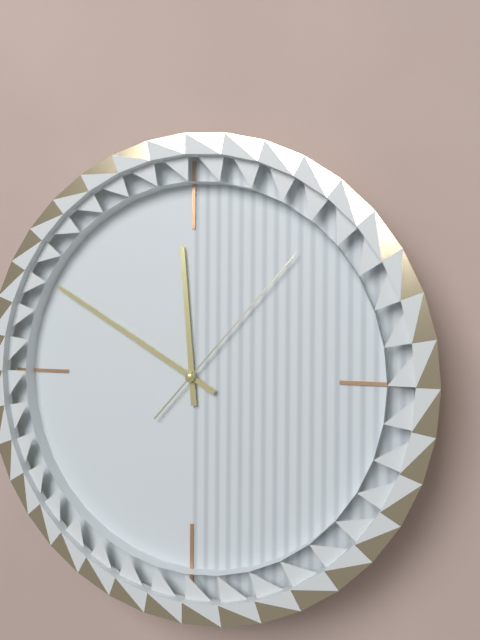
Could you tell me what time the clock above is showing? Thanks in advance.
11:50:07
